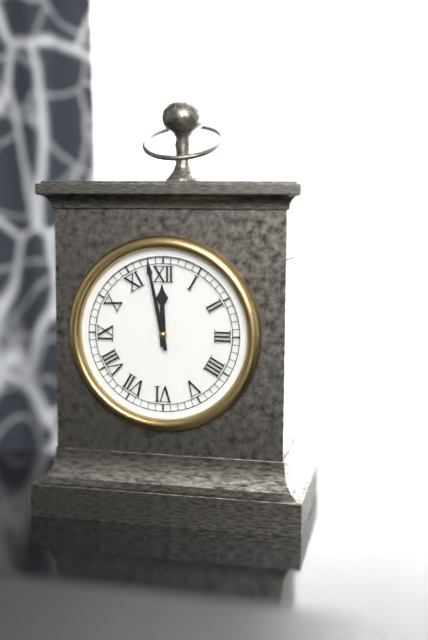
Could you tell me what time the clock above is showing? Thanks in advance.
11:58
